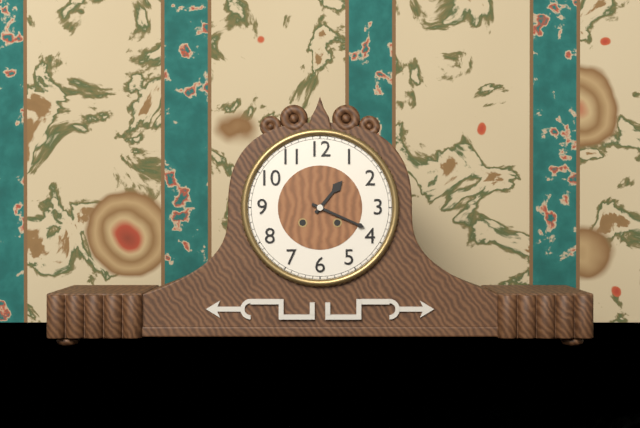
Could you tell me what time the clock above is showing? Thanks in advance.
1:19
